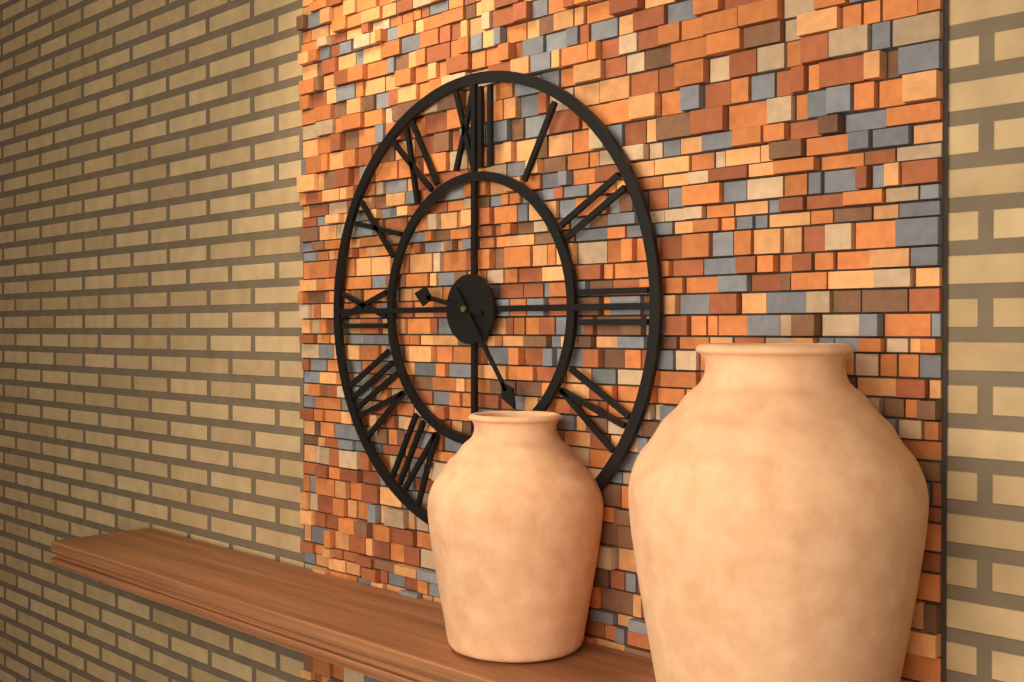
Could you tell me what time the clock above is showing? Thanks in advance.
9:24
